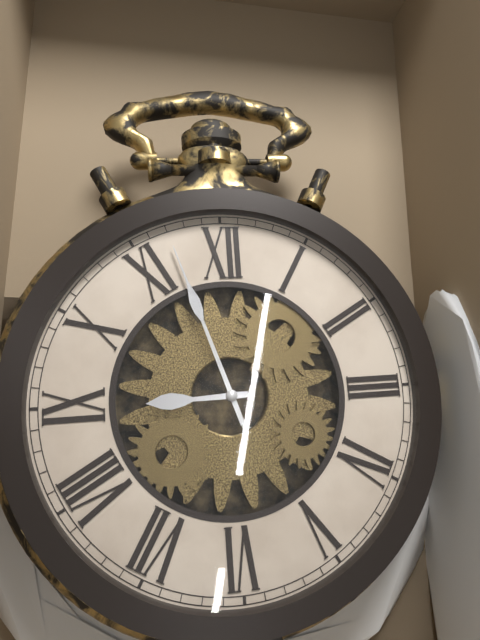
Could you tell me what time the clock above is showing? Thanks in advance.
8:57
